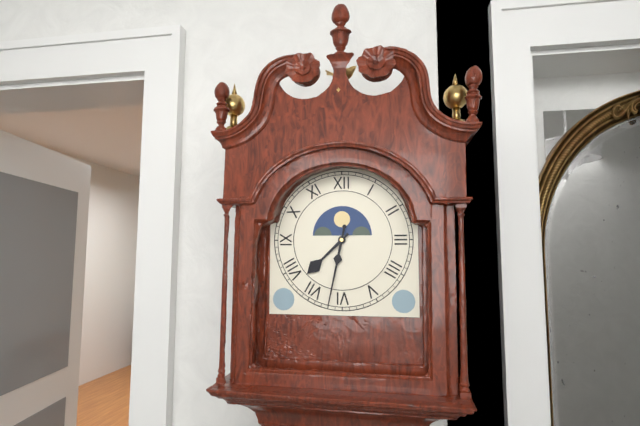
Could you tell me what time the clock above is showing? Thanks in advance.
7:32
